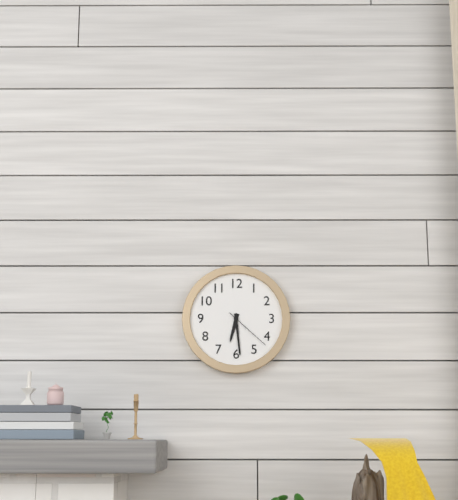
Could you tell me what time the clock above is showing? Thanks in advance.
6:29
